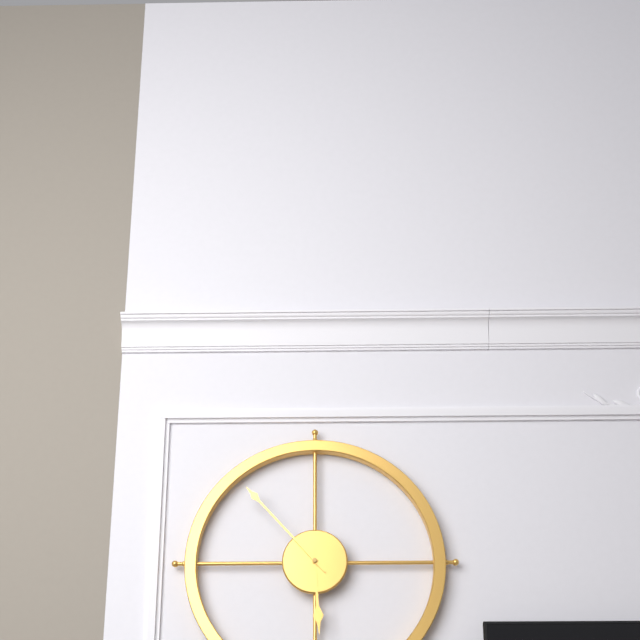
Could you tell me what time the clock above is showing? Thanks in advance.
5:53
